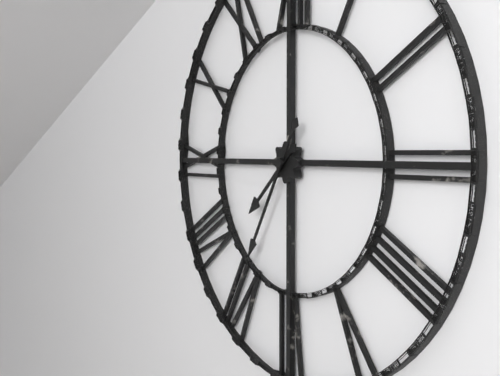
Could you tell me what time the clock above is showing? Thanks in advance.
7:35
